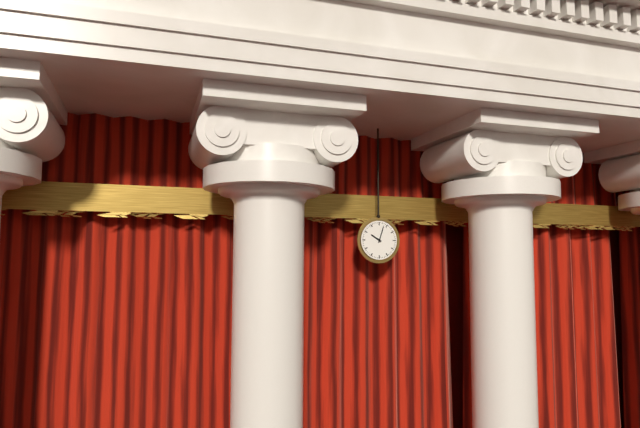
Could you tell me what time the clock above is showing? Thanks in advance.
10:03
